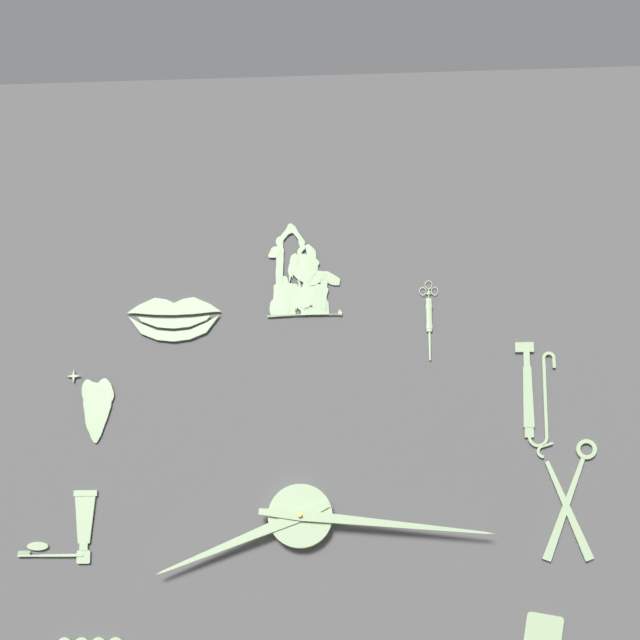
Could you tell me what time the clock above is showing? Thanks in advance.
8:16
